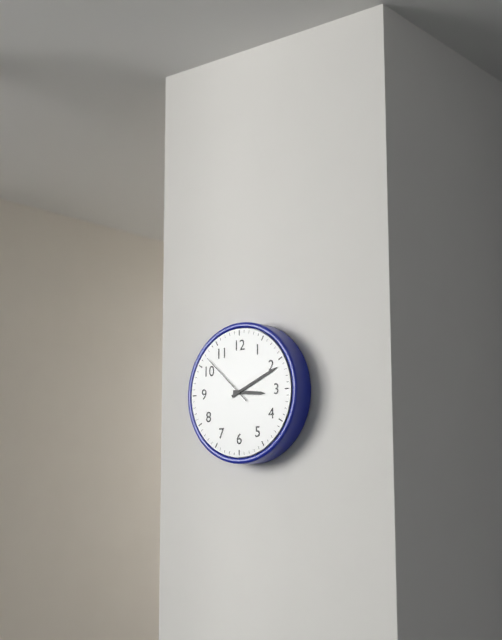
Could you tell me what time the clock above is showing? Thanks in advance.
3:11:52
